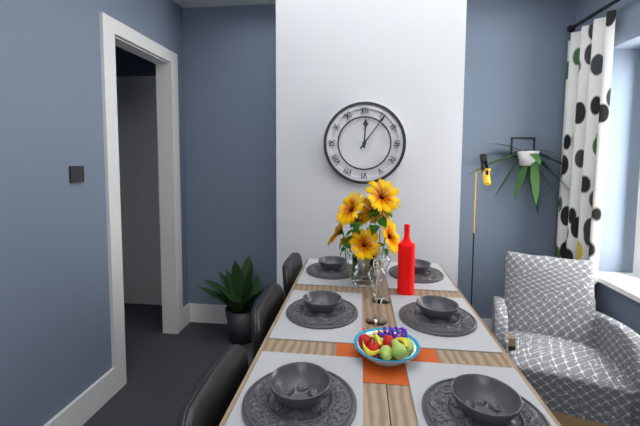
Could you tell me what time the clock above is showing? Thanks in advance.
12:06
